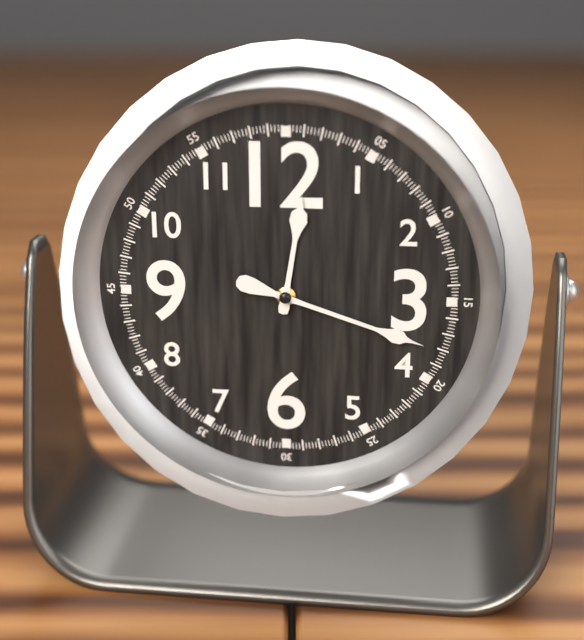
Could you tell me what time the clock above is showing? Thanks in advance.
12:18
